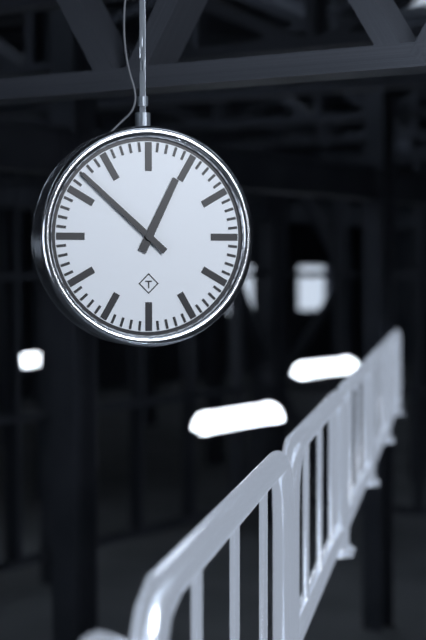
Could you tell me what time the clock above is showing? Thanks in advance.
12:52
